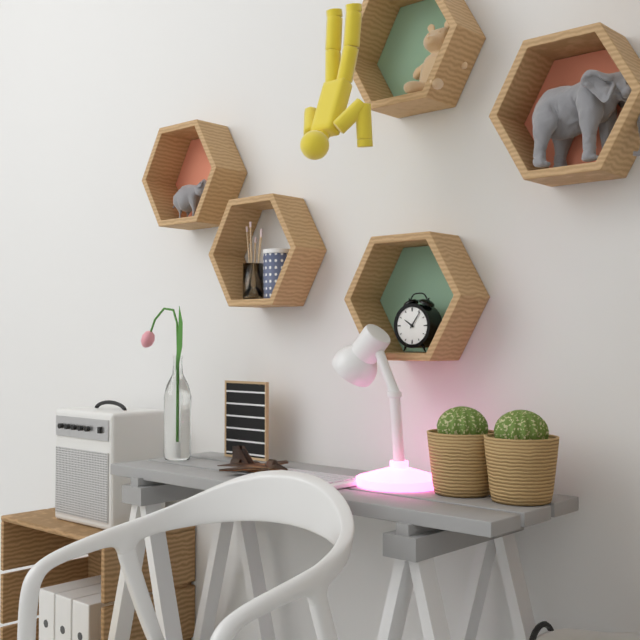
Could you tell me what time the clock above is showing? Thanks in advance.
10:06
